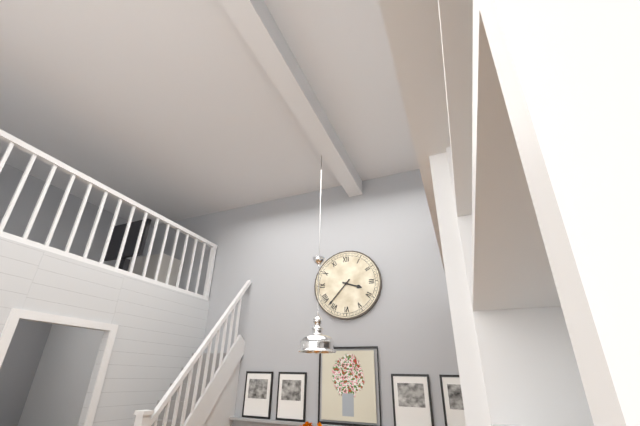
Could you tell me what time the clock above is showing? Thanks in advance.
3:37
